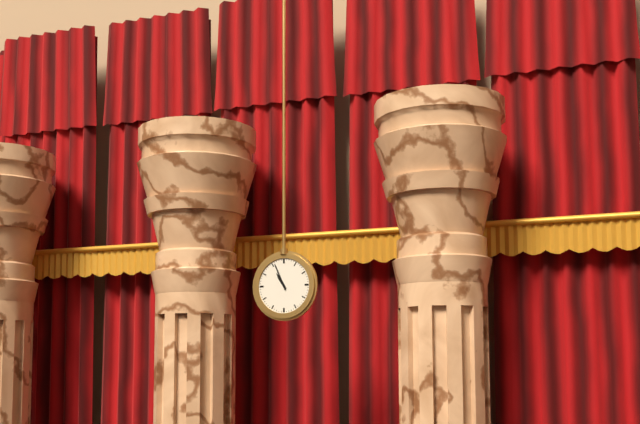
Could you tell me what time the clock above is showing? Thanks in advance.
10:56
